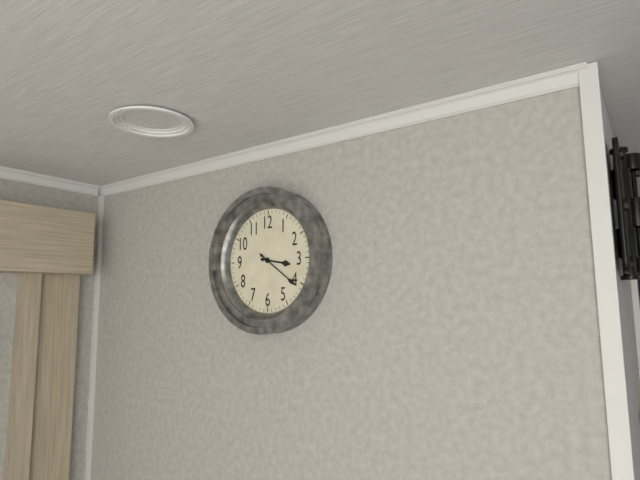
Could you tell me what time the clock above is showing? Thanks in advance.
3:21
